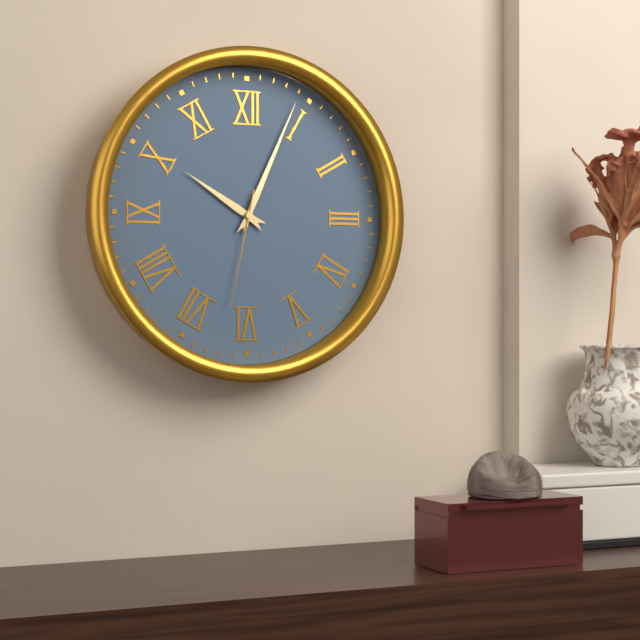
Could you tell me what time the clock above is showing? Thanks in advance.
10:04:32
